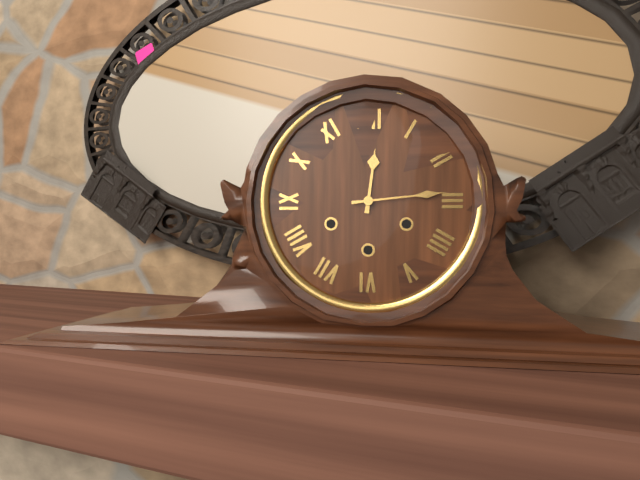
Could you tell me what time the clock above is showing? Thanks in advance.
12:14
